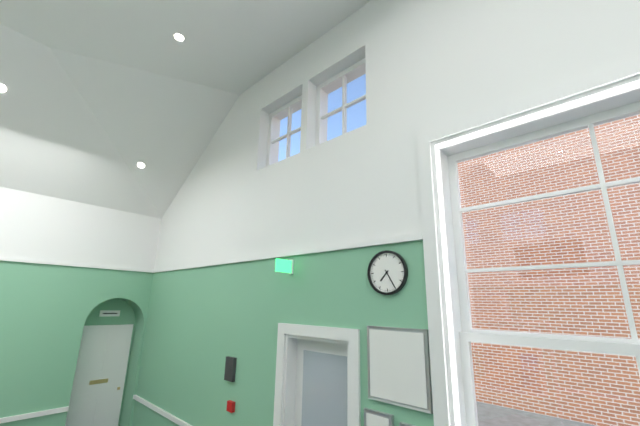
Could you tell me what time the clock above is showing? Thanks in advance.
7:25
